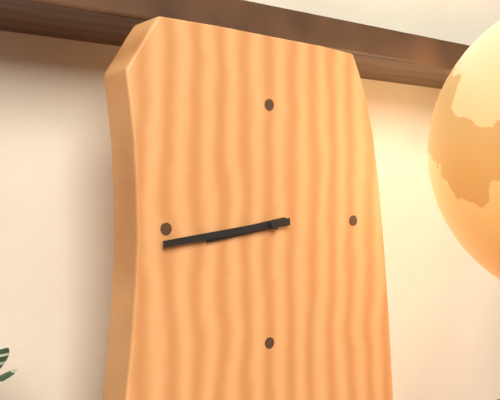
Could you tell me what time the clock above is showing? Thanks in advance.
8:44
